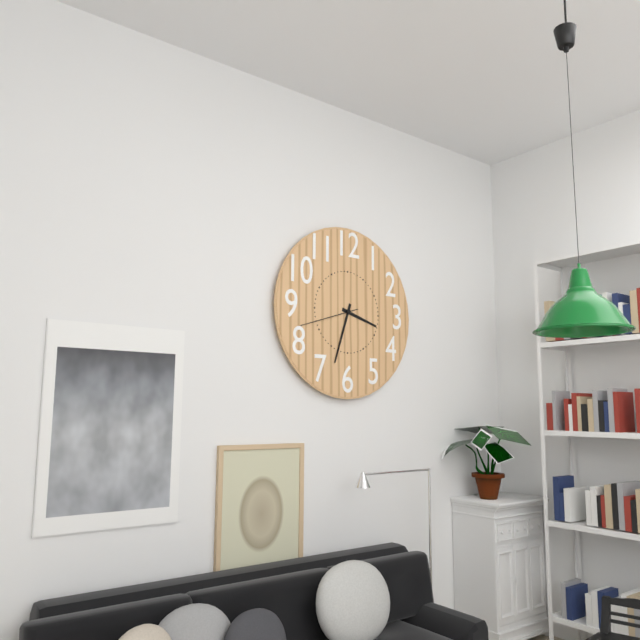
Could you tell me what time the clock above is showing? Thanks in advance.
3:33:42
